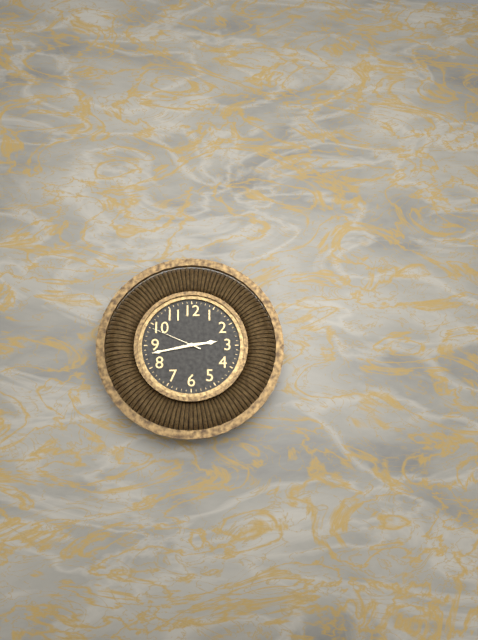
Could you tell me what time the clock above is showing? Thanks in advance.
2:43:49
